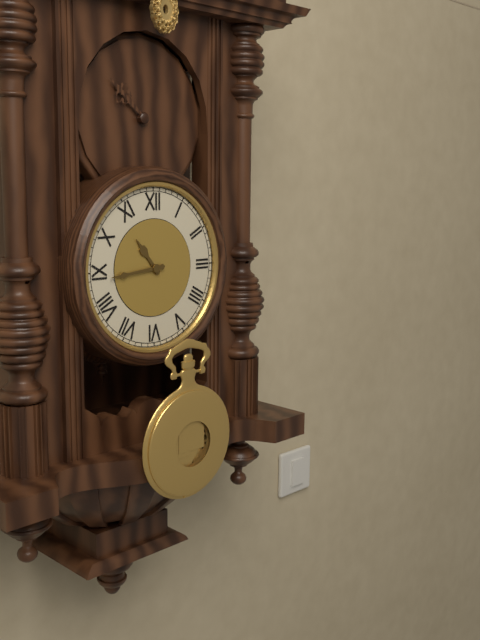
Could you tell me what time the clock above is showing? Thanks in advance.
10:44
